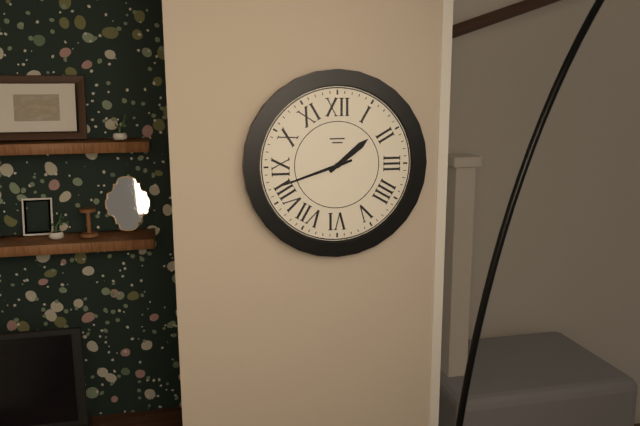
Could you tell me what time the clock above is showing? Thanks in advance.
1:42
